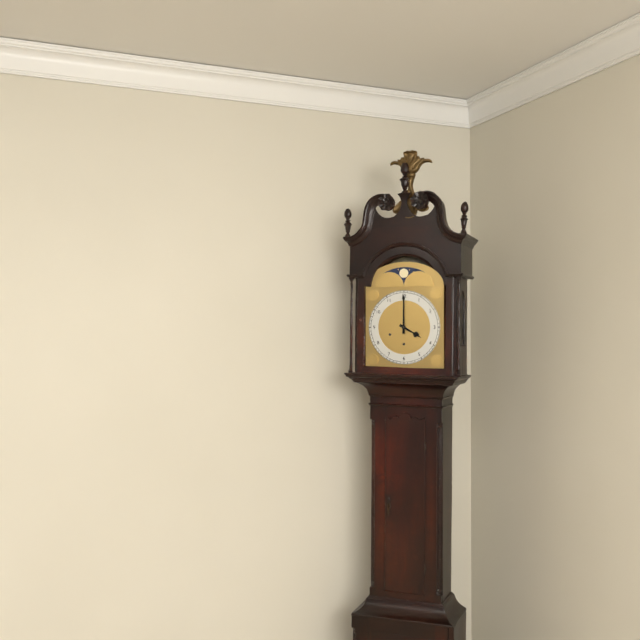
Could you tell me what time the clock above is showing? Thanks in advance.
4:00
